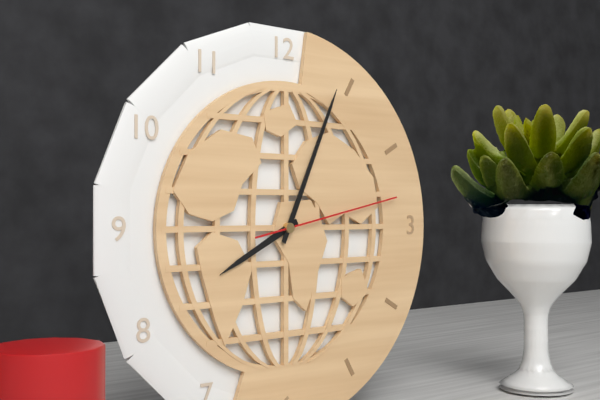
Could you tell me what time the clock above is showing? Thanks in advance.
8:04:13
